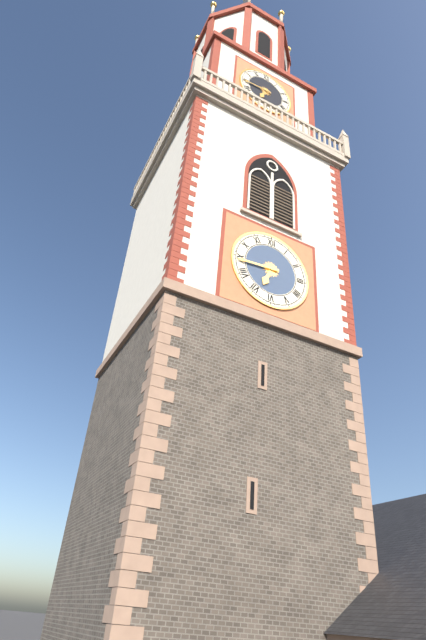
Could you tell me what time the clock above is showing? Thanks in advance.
6:44
